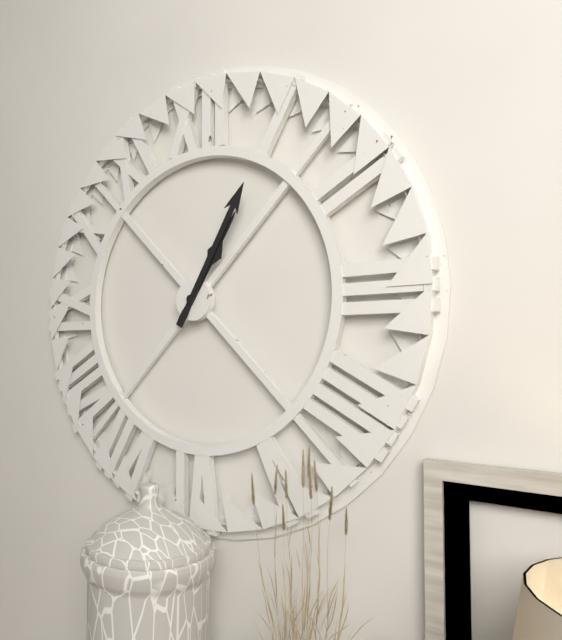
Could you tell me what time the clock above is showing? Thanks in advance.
1:05
